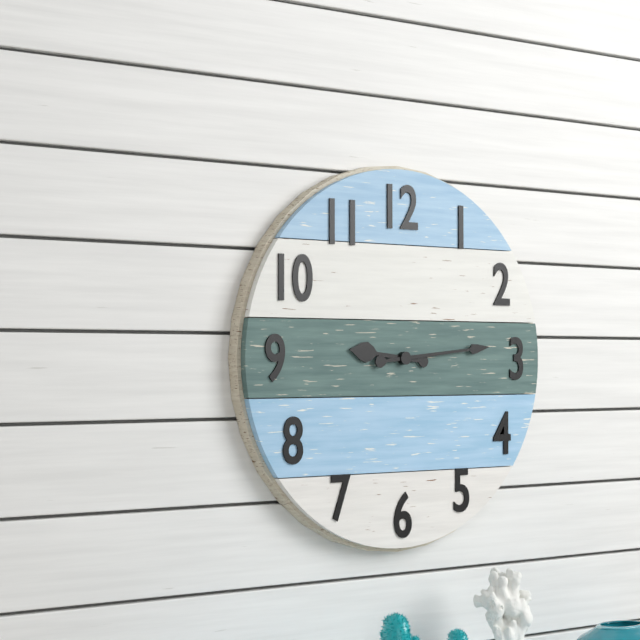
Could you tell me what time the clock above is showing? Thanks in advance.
9:14
